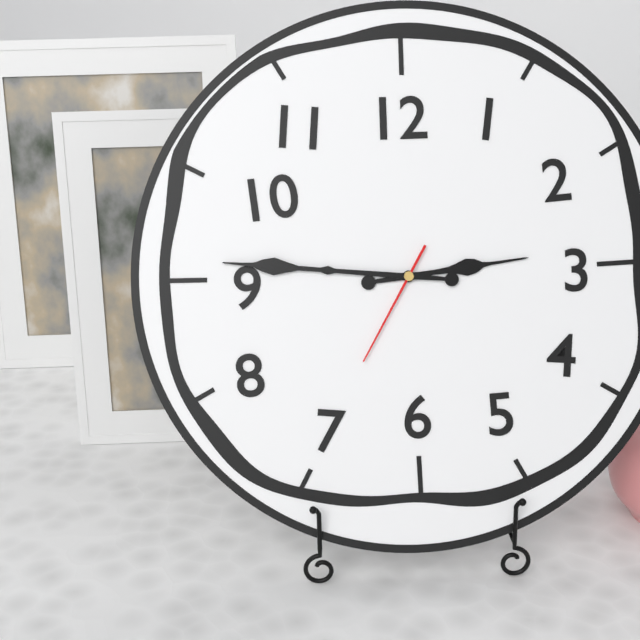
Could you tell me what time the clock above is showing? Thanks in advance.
2:46:35
